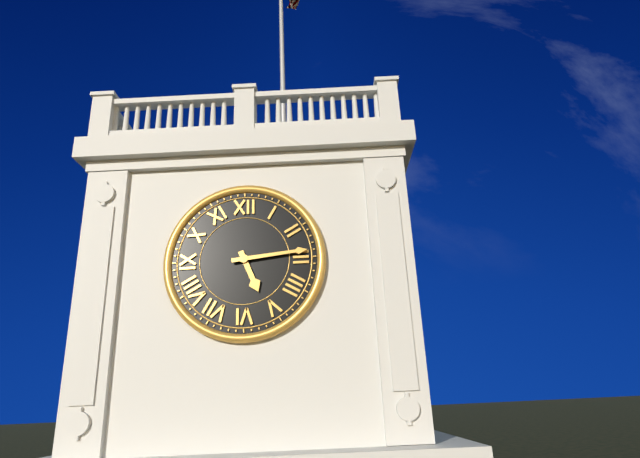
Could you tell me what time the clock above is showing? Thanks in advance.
5:14
